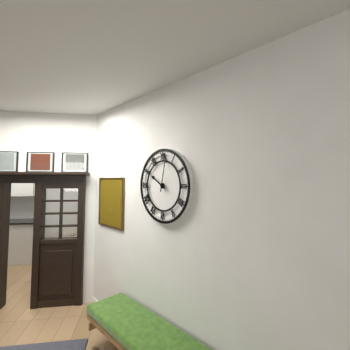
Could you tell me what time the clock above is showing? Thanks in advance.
10:02
